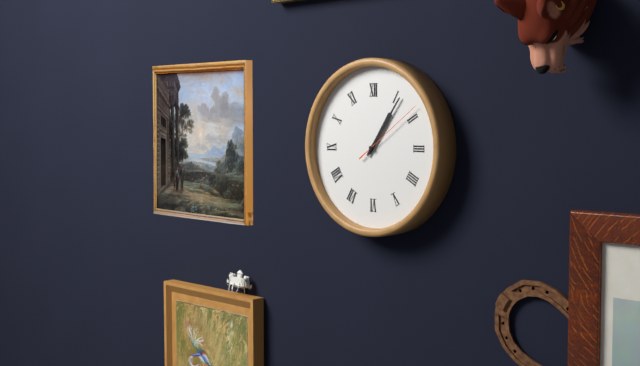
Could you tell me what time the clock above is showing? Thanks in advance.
1:06:09
